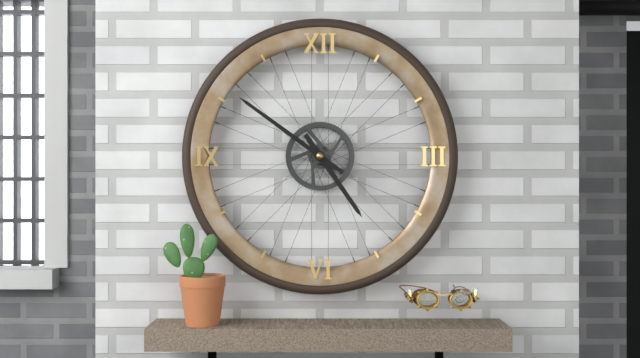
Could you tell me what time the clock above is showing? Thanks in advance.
4:51
